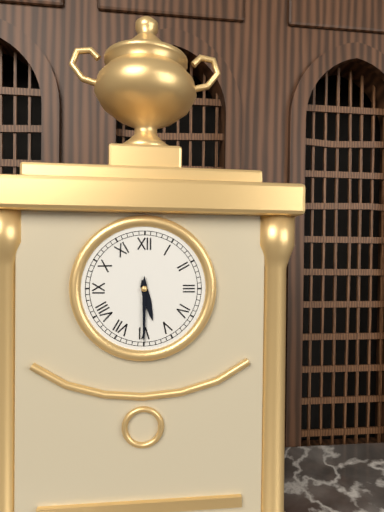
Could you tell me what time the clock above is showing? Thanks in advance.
5:30
